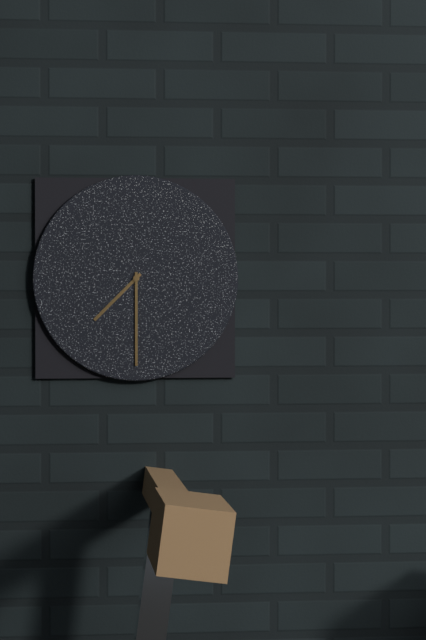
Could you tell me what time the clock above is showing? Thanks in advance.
7:30
